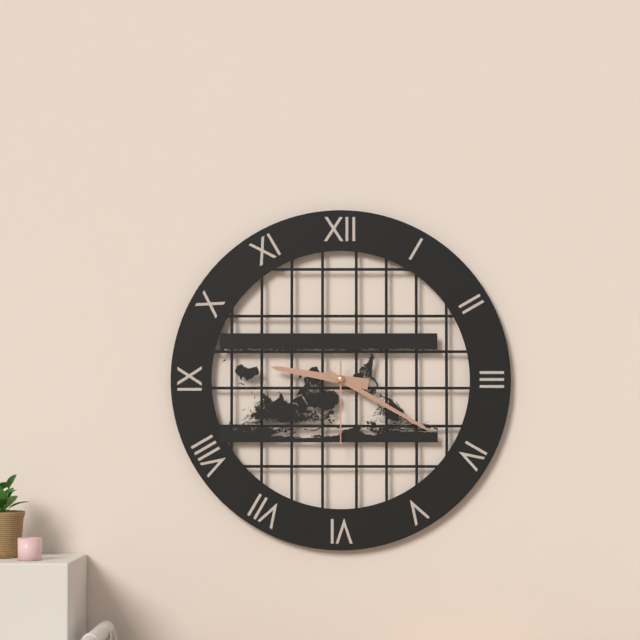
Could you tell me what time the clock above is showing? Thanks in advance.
9:20:30
